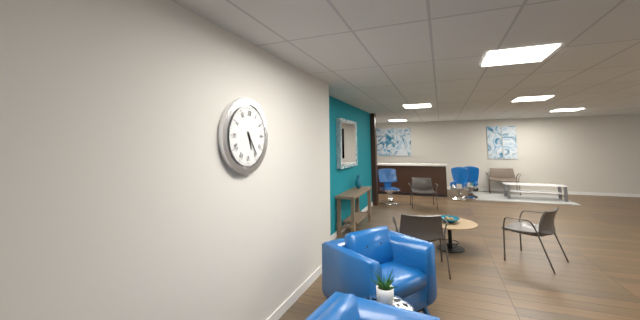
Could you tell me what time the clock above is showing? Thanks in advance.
5:24
